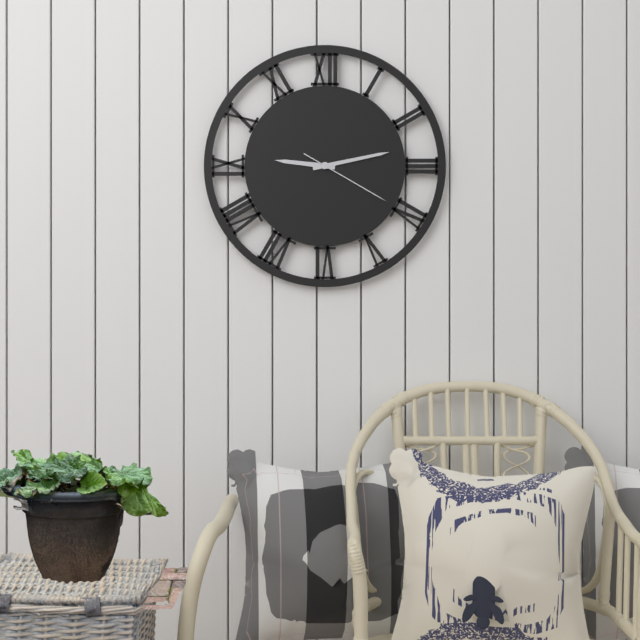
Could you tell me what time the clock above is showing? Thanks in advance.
9:13:20
